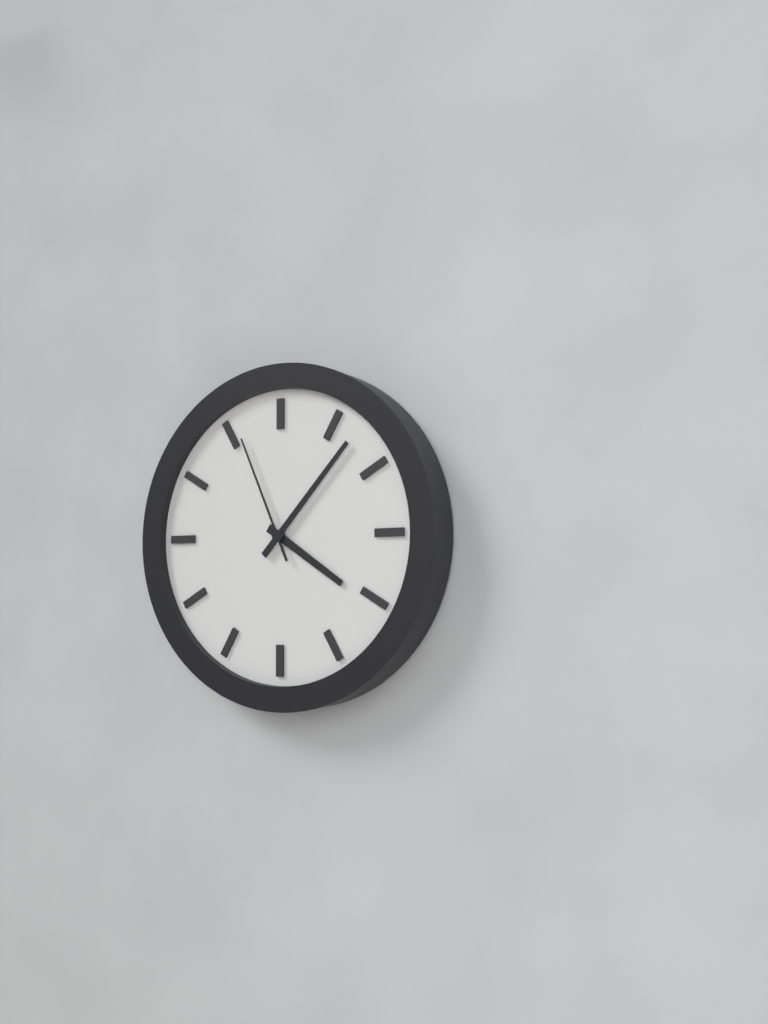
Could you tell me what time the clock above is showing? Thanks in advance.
4:07:56
